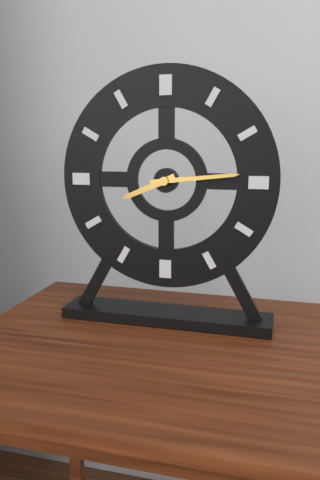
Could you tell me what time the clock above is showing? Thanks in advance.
8:14
